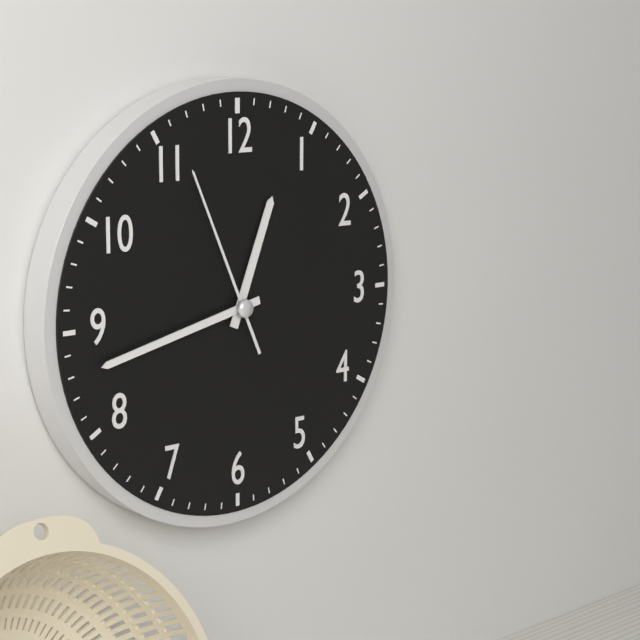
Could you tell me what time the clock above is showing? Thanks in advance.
12:43:56
